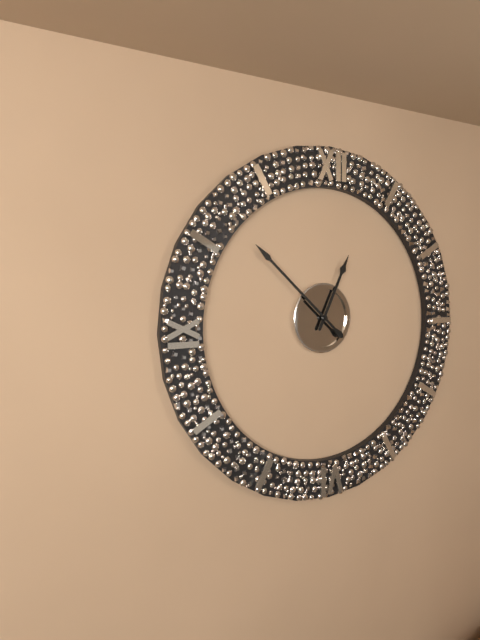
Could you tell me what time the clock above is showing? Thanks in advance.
12:52
